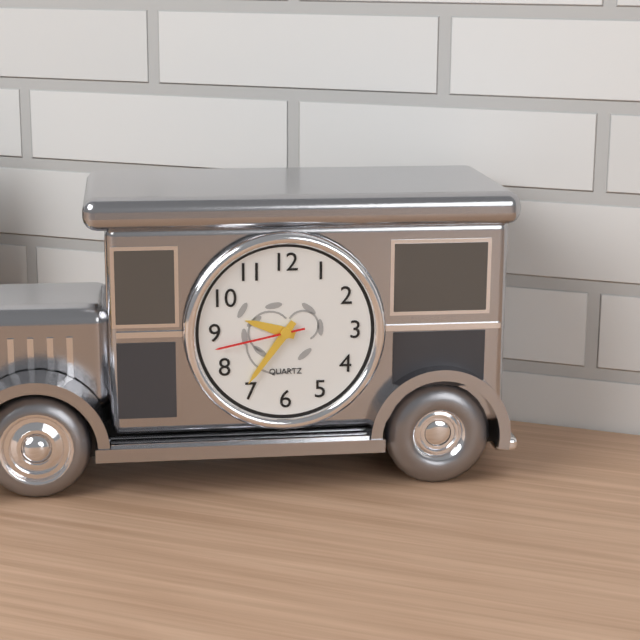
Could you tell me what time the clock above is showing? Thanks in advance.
9:36:43
